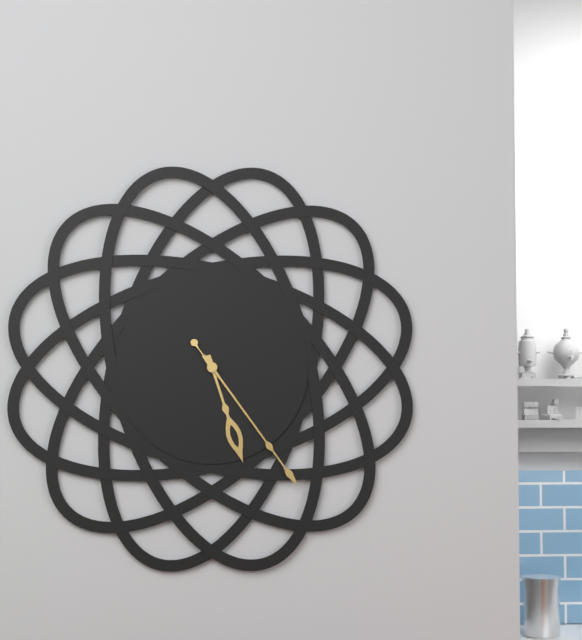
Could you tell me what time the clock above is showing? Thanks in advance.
5:24:24
